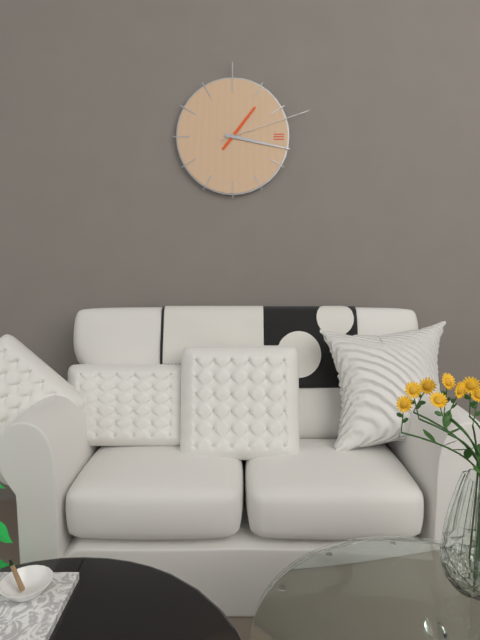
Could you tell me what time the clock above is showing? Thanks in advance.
1:17:12
